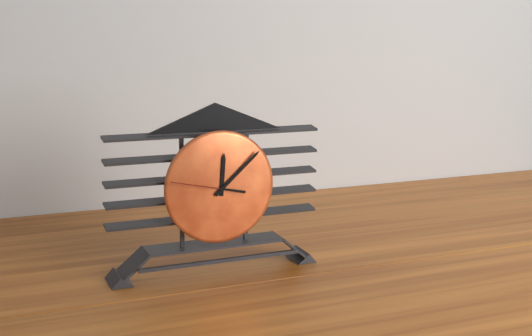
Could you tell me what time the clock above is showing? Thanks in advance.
12:08:47
